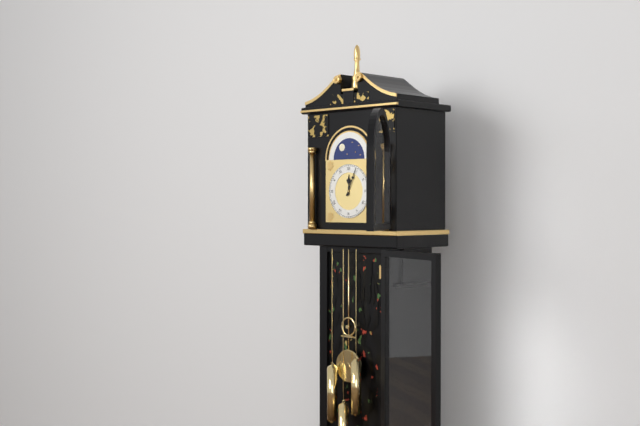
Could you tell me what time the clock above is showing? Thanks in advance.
12:04
